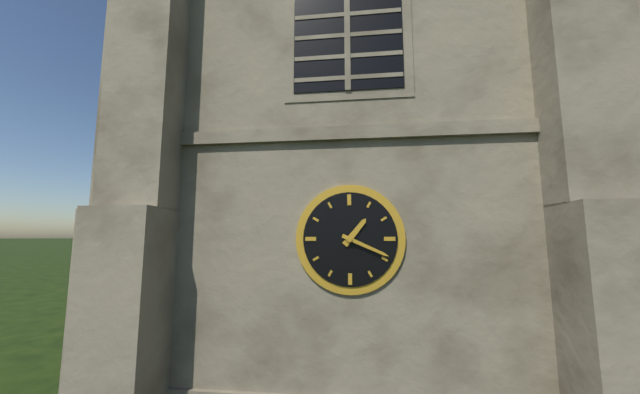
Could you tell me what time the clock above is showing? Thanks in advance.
1:19
